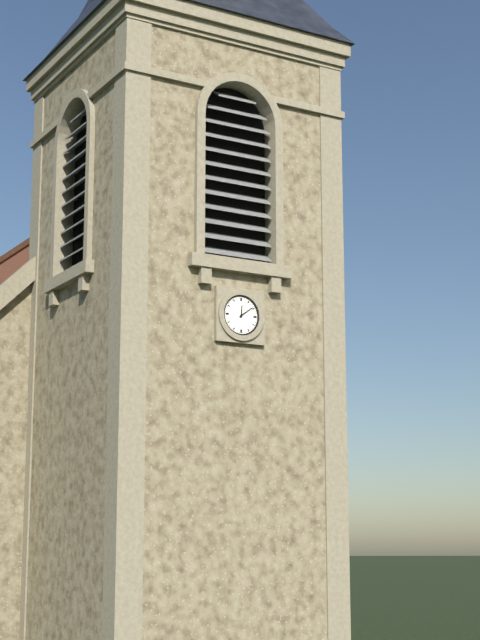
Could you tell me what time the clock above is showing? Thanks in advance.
12:09
